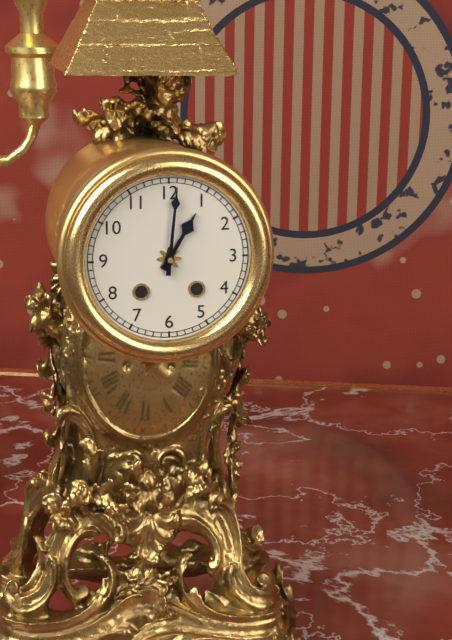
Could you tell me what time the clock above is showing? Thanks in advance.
1:01
